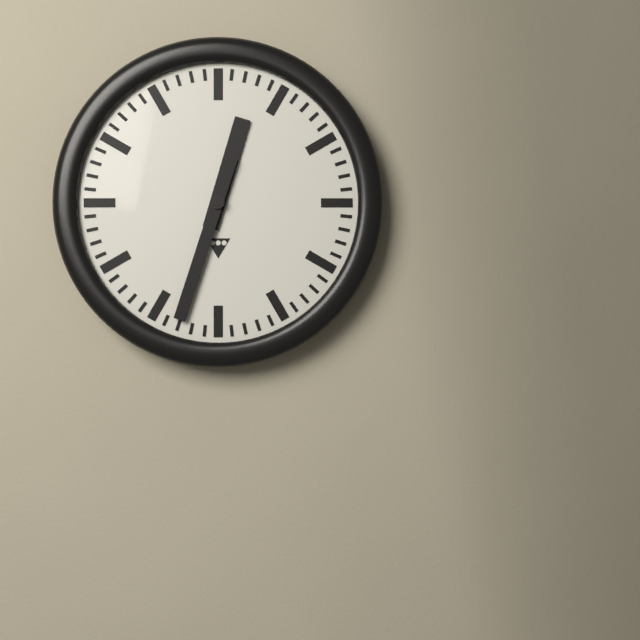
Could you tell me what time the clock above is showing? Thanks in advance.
12:33
